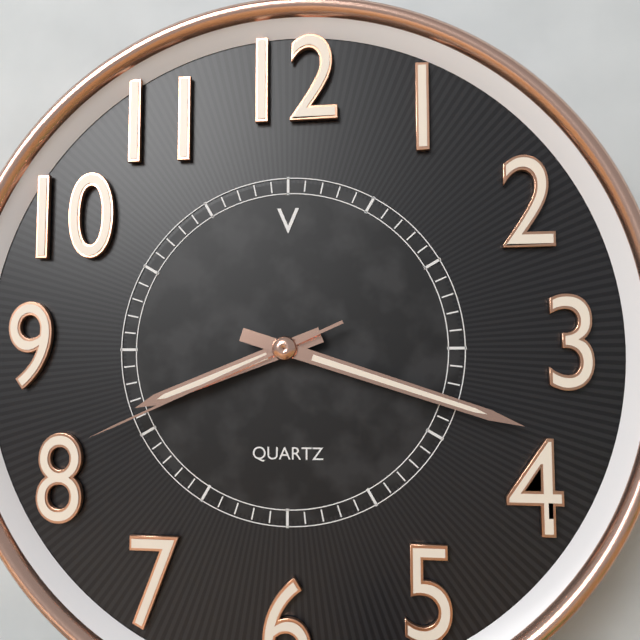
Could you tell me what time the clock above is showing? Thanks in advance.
8:18:41
